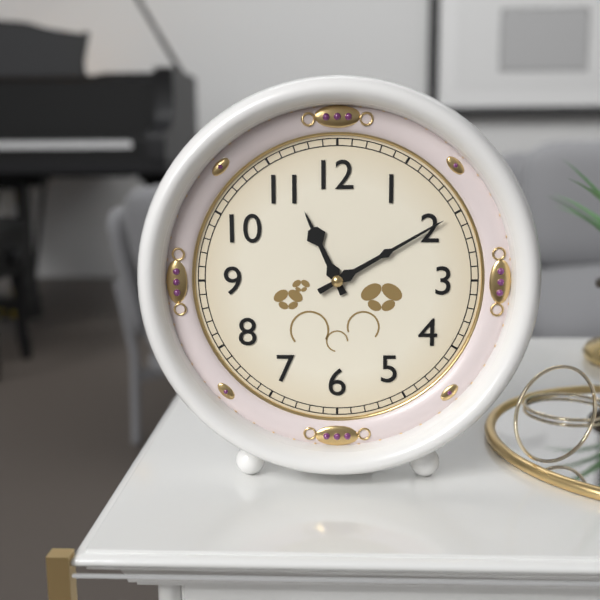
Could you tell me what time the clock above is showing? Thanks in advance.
11:10
